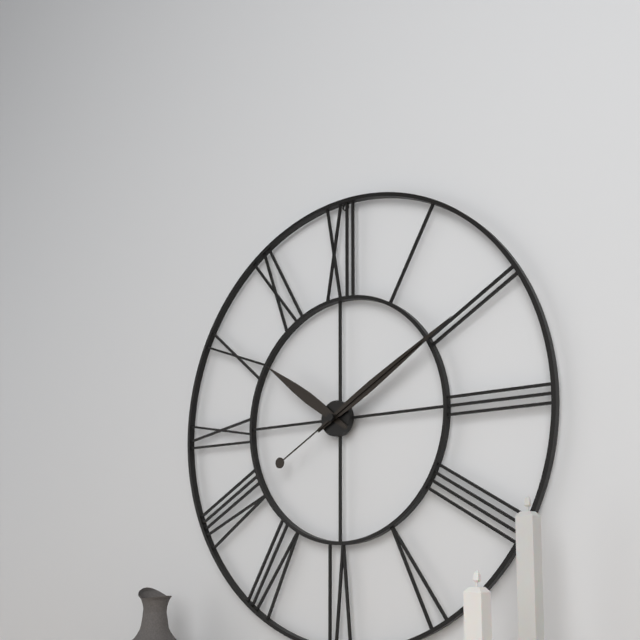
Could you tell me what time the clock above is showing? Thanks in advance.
10:10:10
